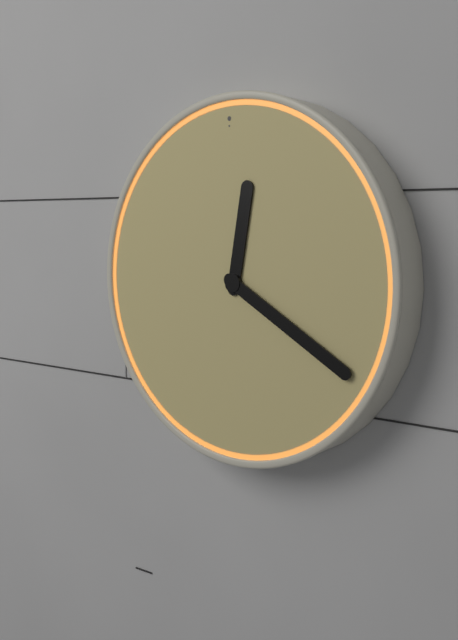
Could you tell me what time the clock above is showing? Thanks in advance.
12:20
